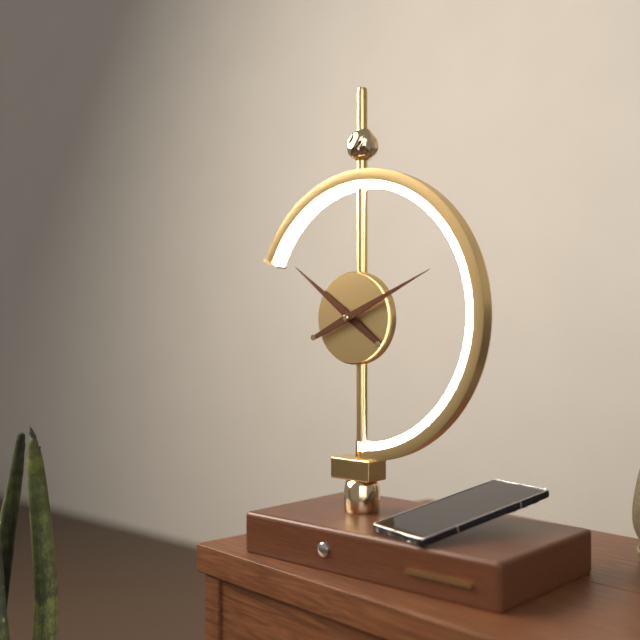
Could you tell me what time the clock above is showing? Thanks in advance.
10:11
